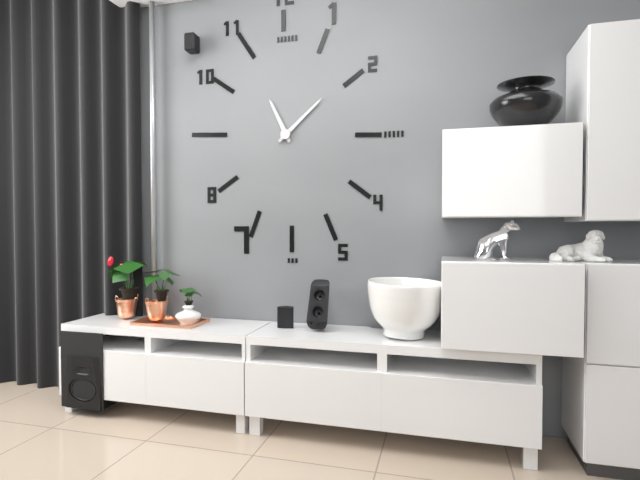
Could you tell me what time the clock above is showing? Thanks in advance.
11:08
